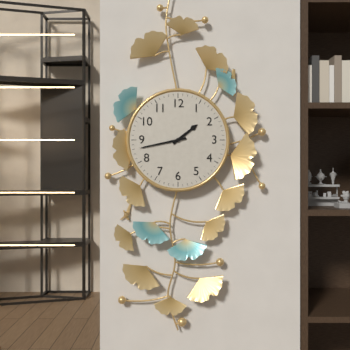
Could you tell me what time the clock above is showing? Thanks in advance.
1:43
